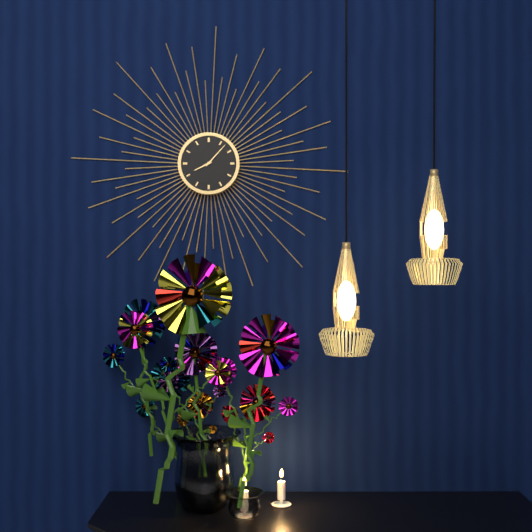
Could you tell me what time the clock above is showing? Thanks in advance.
8:07
